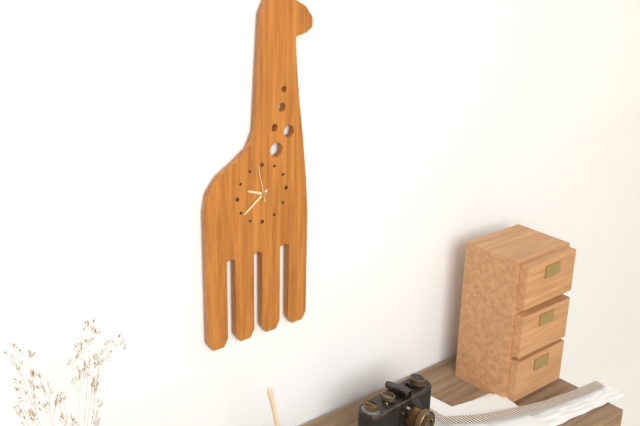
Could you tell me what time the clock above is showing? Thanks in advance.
9:39
